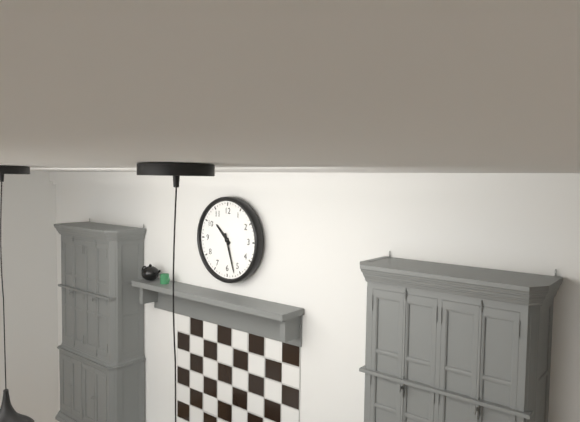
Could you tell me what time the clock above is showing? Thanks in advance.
10:27
